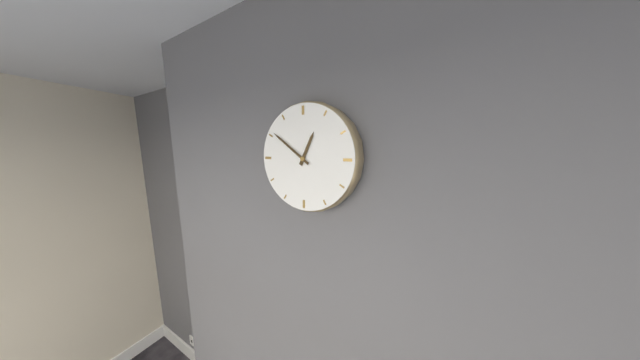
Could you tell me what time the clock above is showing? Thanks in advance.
12:51
